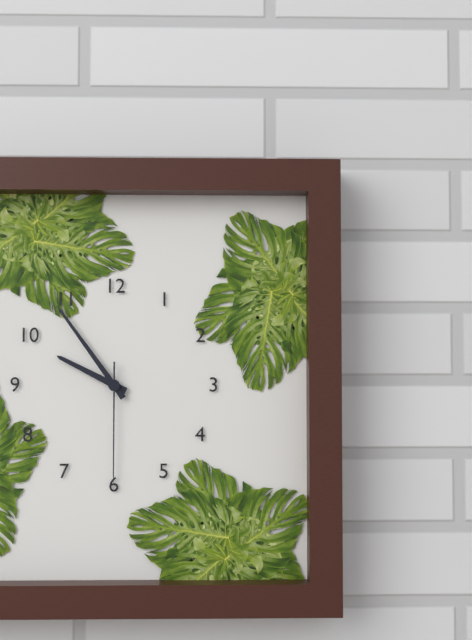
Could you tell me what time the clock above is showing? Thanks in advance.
9:54:30
